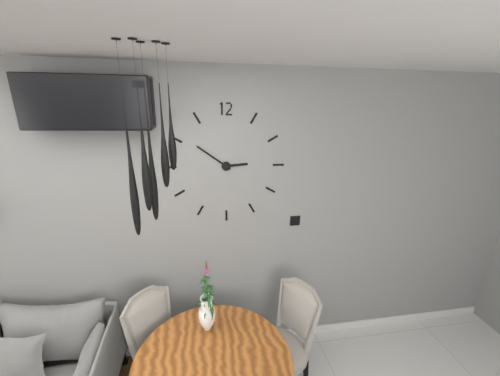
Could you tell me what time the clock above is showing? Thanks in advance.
2:51
